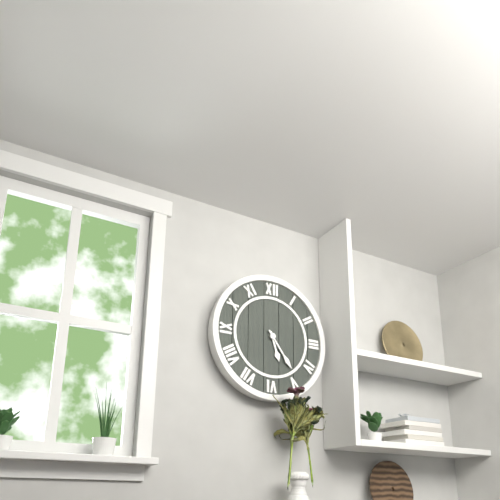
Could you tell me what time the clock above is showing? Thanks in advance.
5:24
